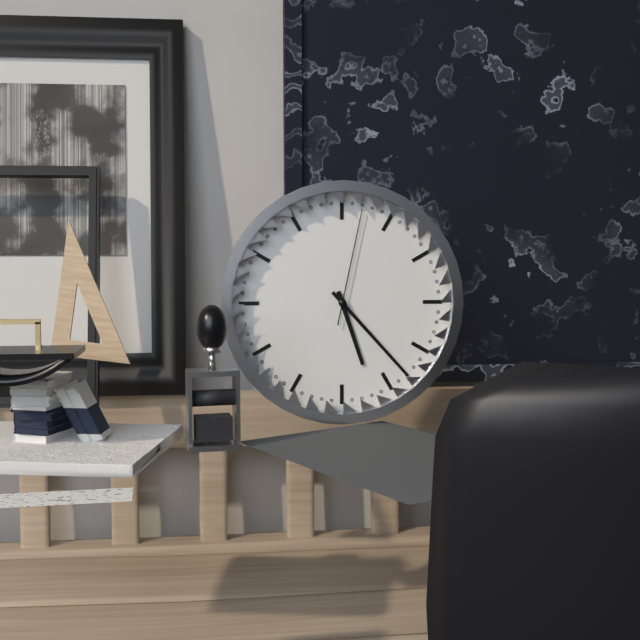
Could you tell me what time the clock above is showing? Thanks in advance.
5:23:02
